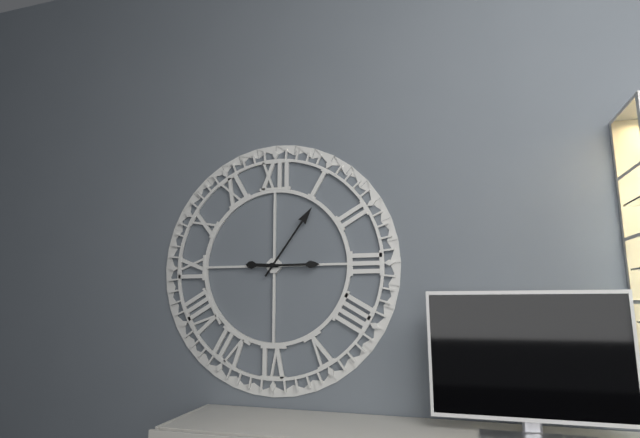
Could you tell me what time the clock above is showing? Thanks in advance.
9:06:15
